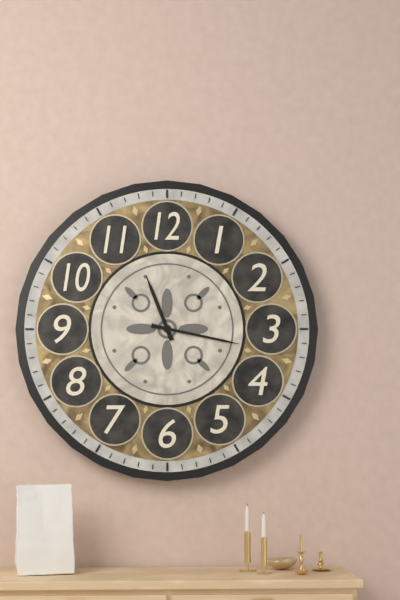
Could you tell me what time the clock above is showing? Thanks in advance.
11:17
